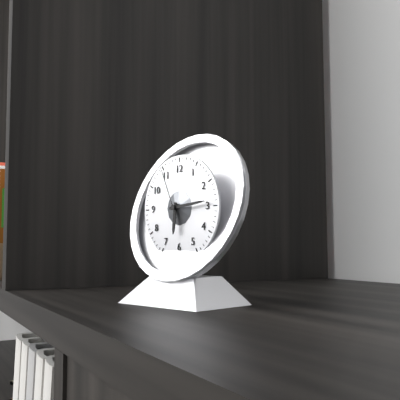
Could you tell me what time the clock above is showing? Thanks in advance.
6:14:56
